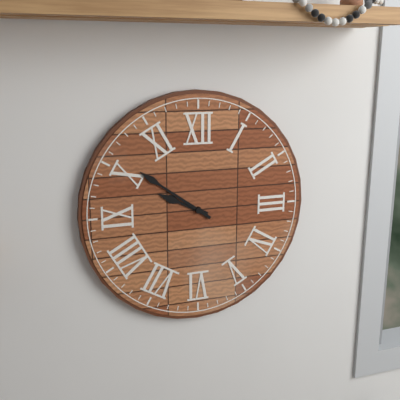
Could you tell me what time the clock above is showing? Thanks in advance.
9:51
